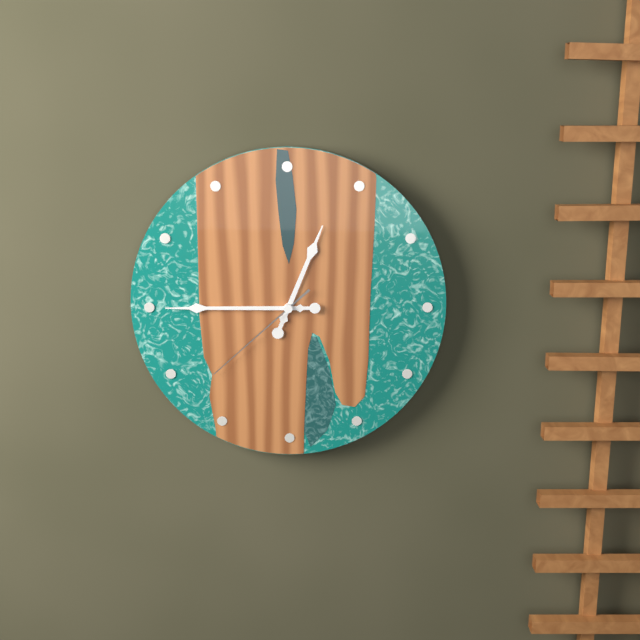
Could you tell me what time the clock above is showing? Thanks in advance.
12:45:38
